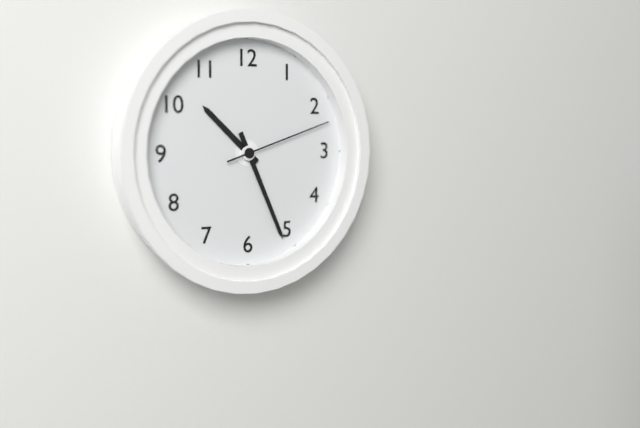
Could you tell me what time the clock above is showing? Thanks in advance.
10:26:12
